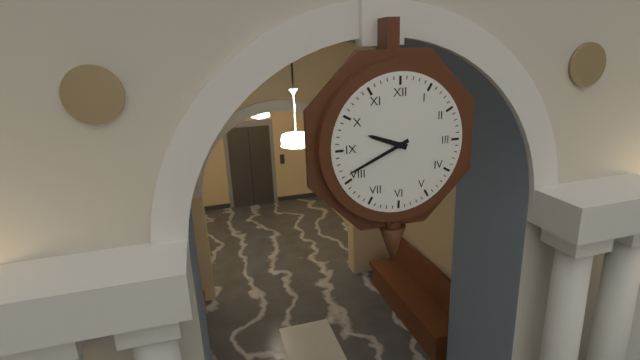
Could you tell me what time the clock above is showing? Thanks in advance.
9:41
